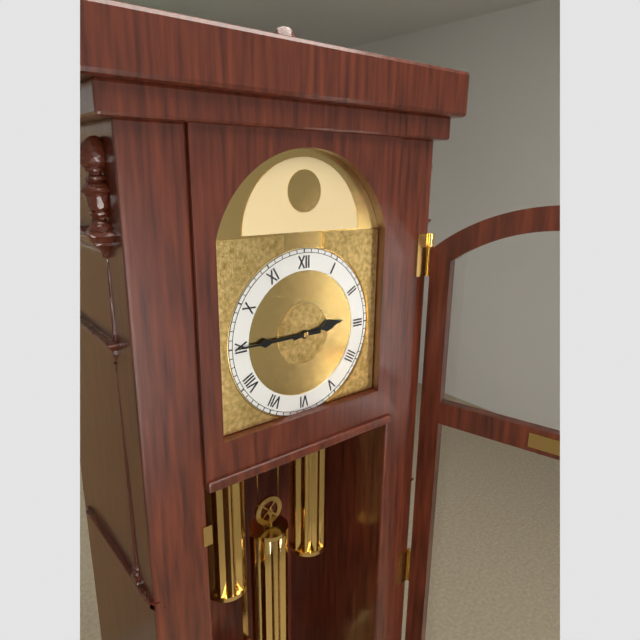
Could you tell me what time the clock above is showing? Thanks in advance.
2:45
